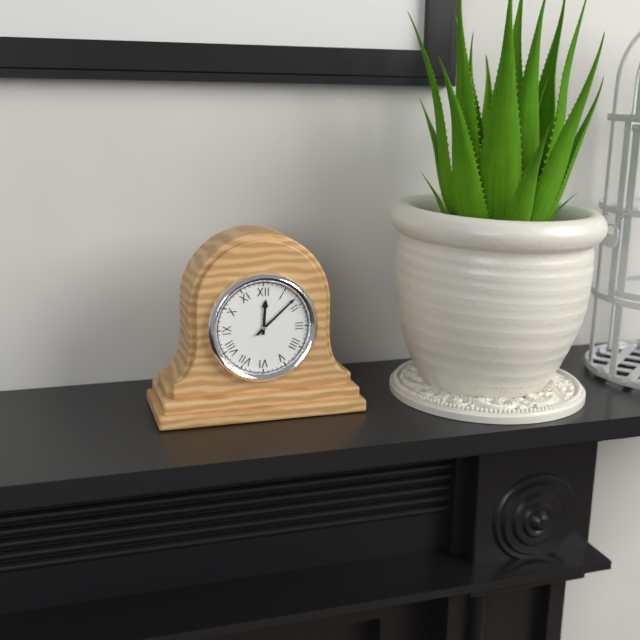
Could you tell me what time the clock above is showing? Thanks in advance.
12:08
